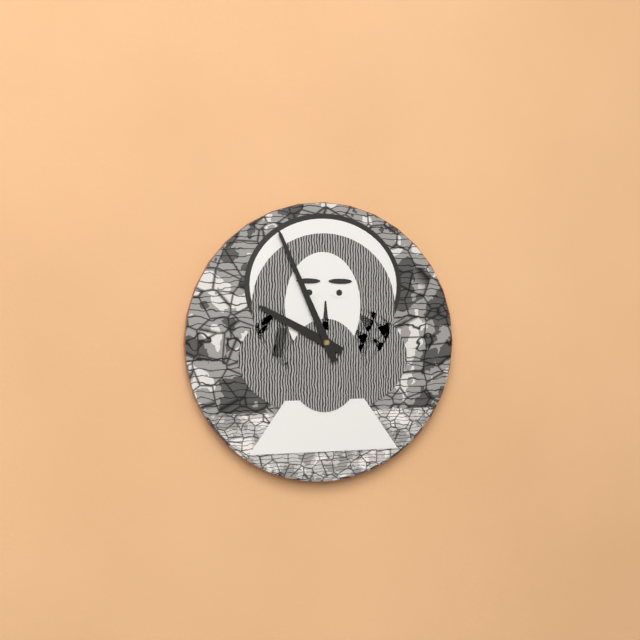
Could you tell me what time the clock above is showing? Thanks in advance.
9:56
